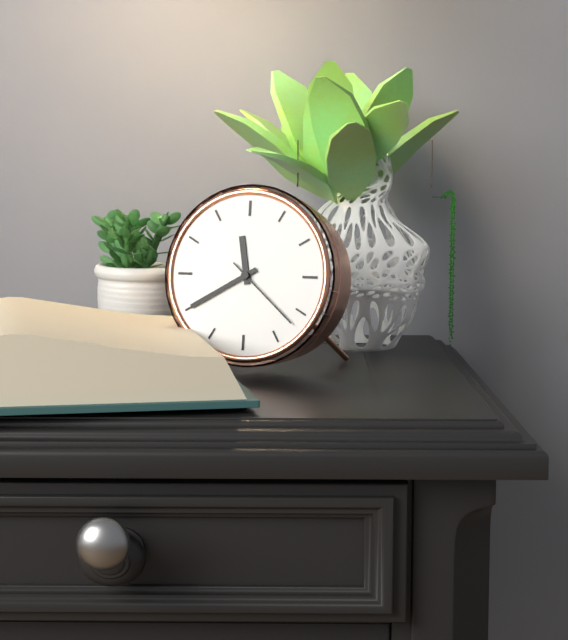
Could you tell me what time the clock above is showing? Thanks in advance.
11:40:22
